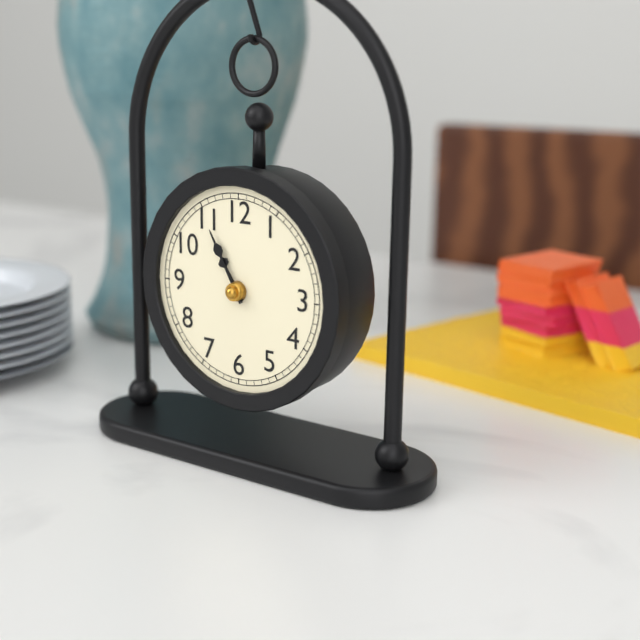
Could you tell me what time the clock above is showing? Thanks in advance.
10:55
